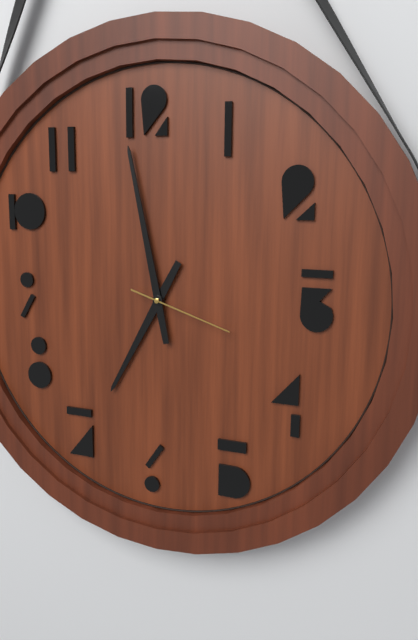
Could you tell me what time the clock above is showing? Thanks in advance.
6:58:18
